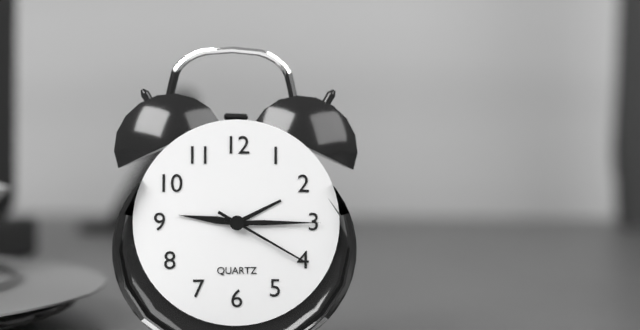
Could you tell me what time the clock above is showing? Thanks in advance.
9:15:20
